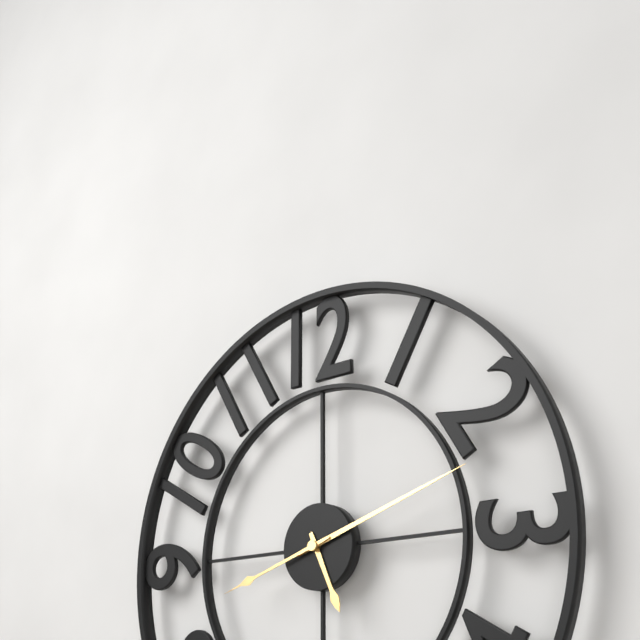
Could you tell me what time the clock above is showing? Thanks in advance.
5:12:42
